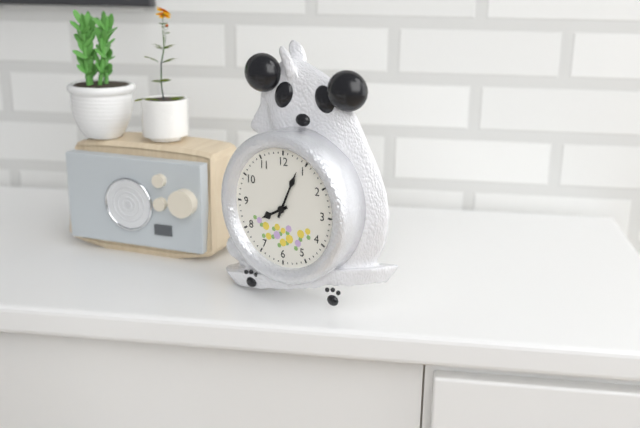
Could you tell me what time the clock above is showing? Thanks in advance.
8:04
